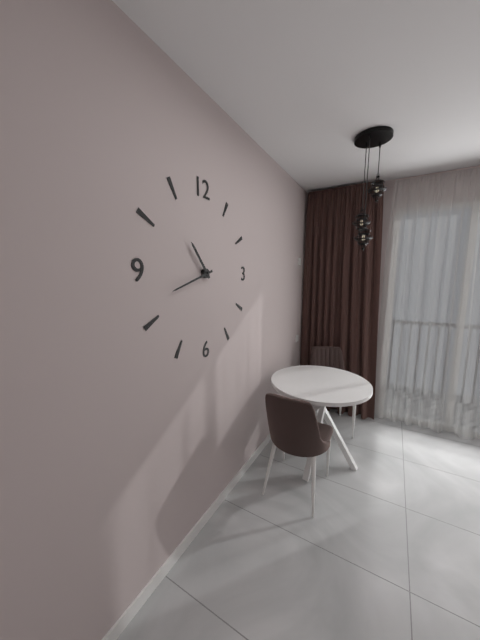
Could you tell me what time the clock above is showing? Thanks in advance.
10:42
